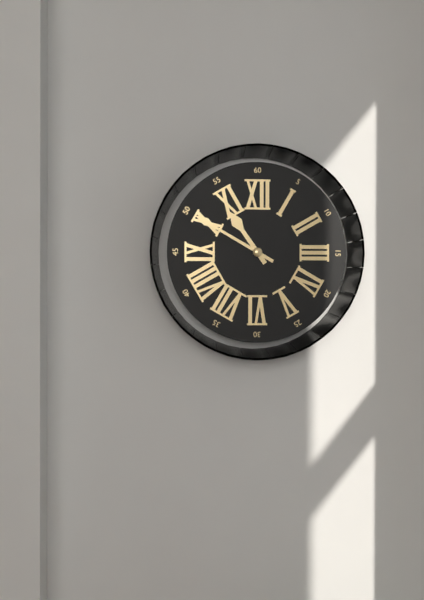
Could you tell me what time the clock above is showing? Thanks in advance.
10:50
